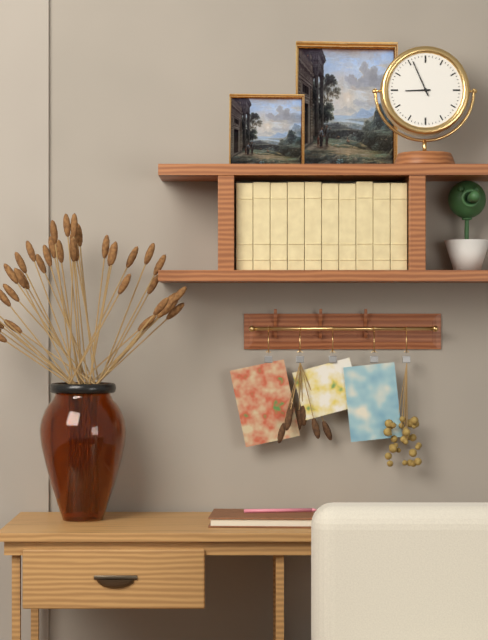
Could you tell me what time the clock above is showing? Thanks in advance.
8:56
